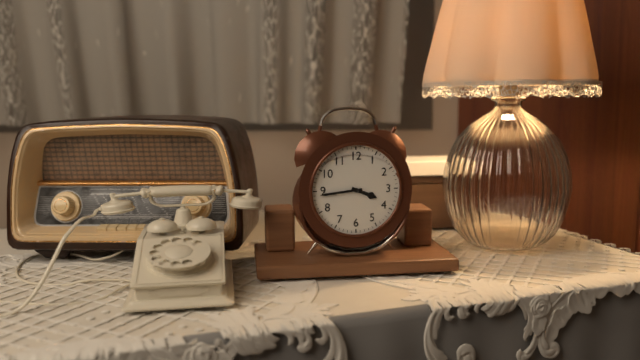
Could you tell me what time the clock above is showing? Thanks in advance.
3:44
